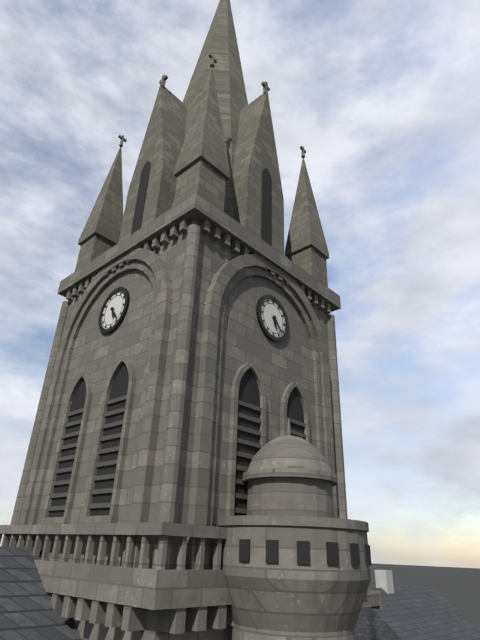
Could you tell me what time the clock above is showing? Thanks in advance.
5:23
